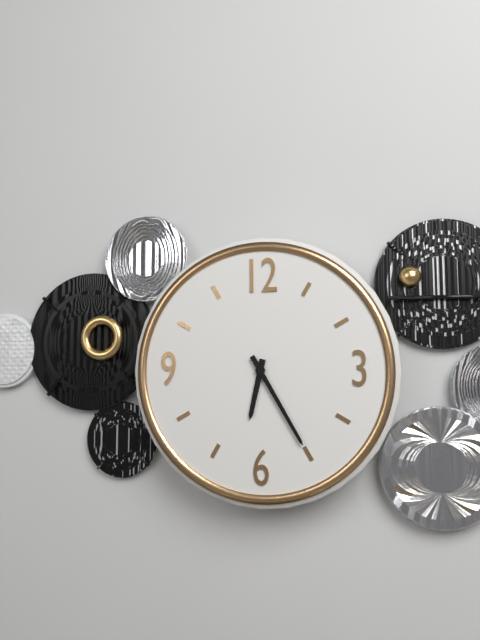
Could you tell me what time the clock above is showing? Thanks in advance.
6:25
